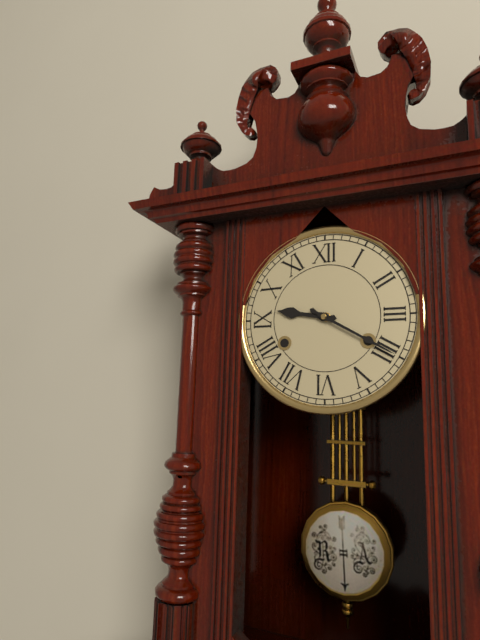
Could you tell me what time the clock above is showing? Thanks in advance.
9:20
